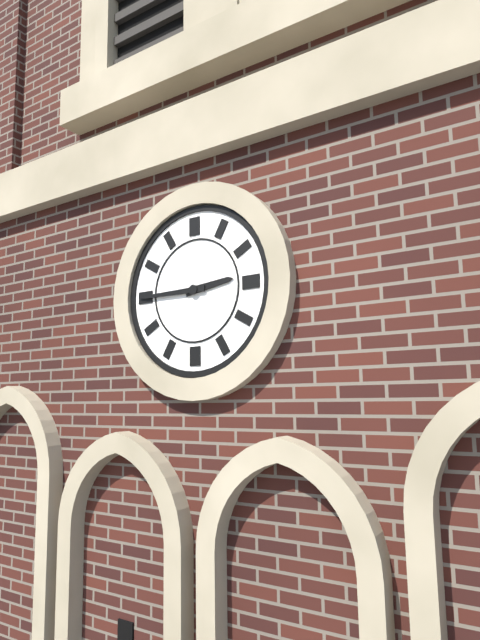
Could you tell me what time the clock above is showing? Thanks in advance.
2:45
